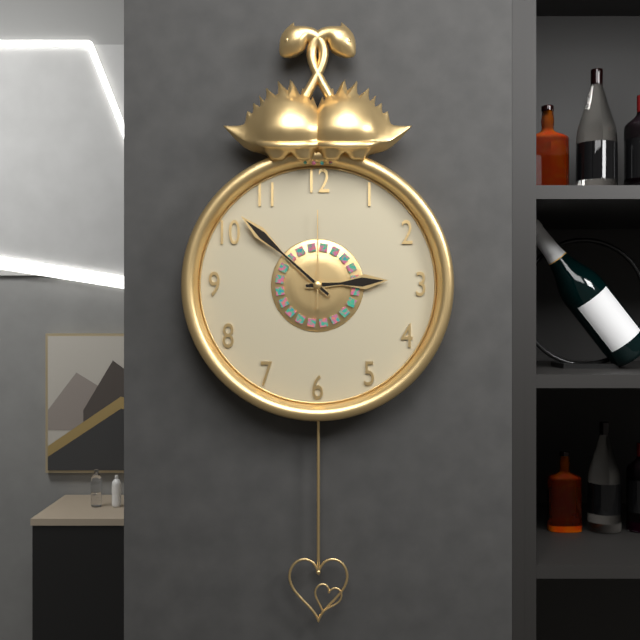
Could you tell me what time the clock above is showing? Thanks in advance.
2:52:00
